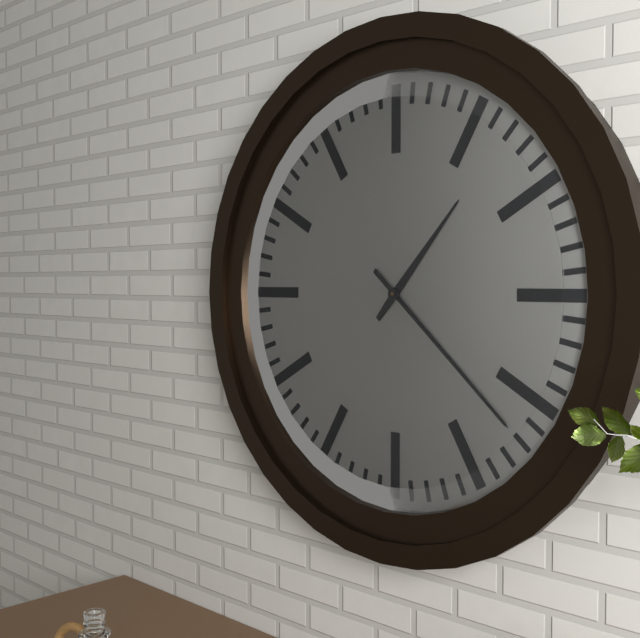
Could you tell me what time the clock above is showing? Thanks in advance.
1:22
